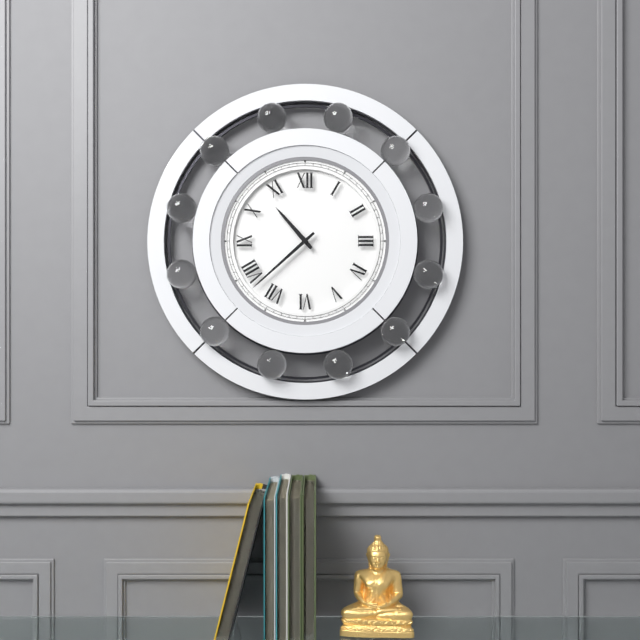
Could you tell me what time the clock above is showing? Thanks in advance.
10:38
